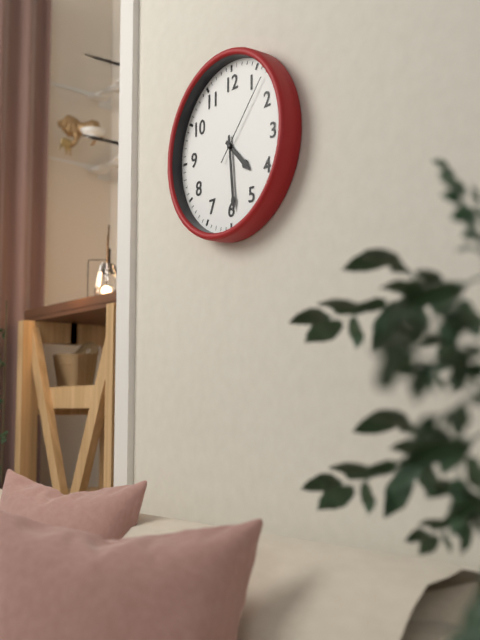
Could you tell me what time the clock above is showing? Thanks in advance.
4:29:07
